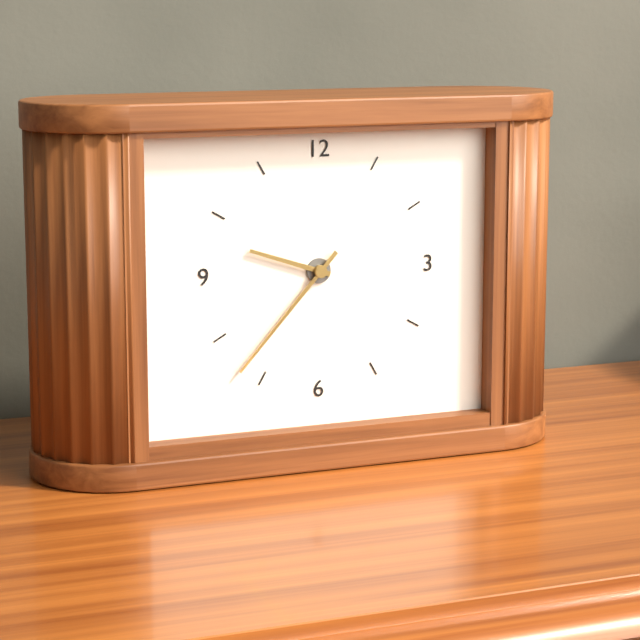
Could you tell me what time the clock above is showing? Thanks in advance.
9:37
